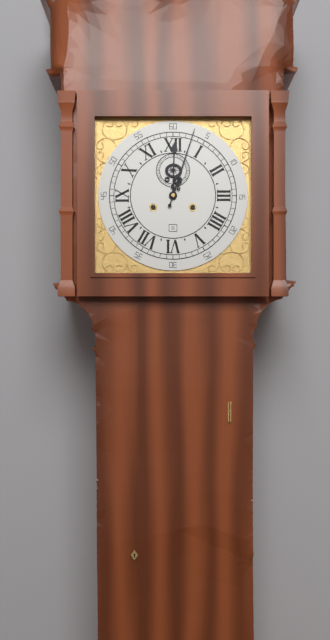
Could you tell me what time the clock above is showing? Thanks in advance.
12:03
